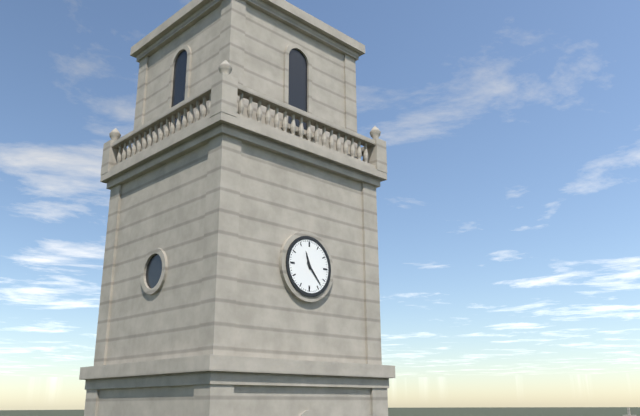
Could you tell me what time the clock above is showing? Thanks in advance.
11:23
